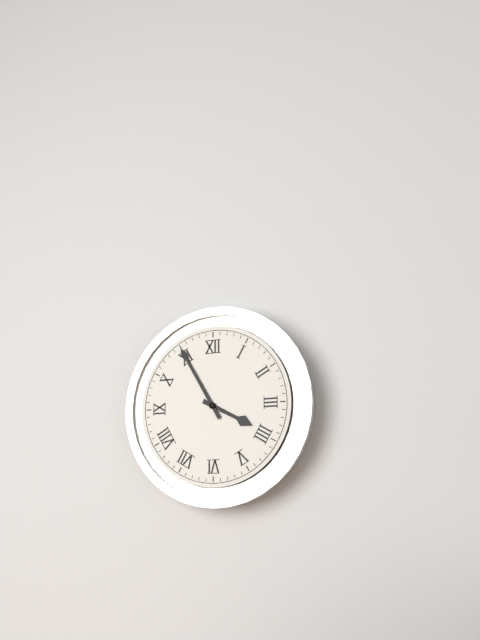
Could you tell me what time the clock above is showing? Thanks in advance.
3:55
